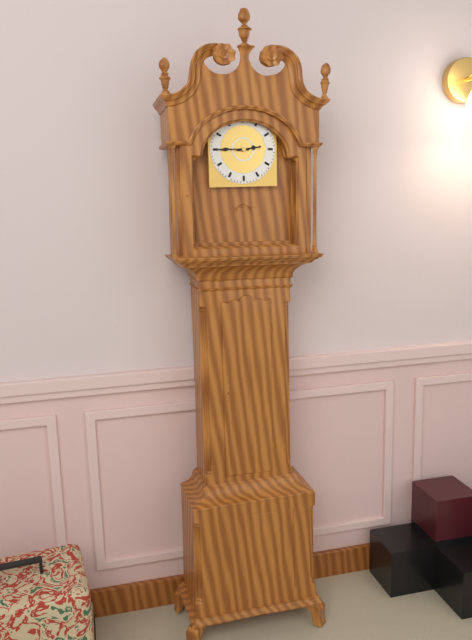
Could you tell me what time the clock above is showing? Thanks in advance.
2:45
